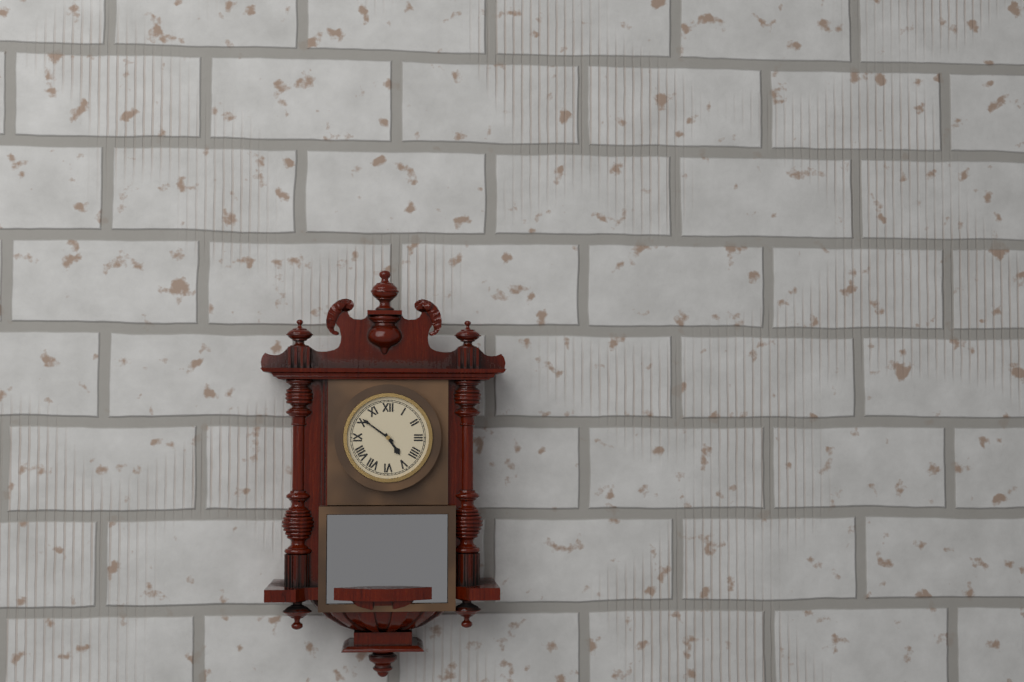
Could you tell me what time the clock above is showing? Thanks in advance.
4:51
